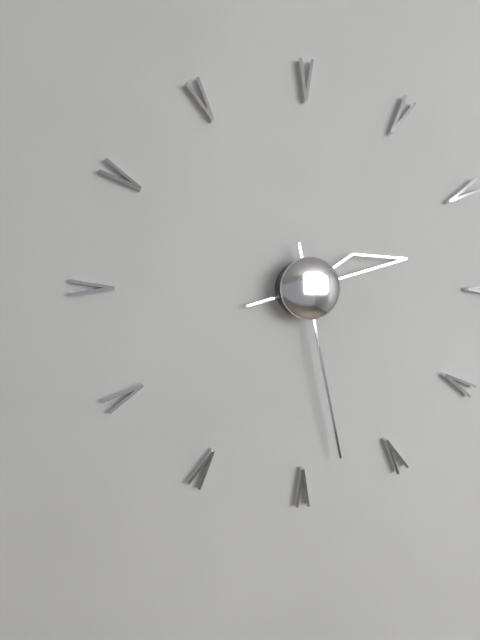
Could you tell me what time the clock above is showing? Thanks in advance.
2:28
